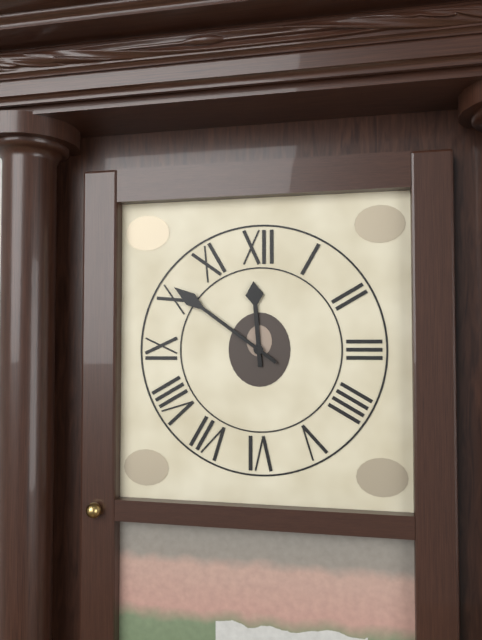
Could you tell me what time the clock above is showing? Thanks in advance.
11:51
